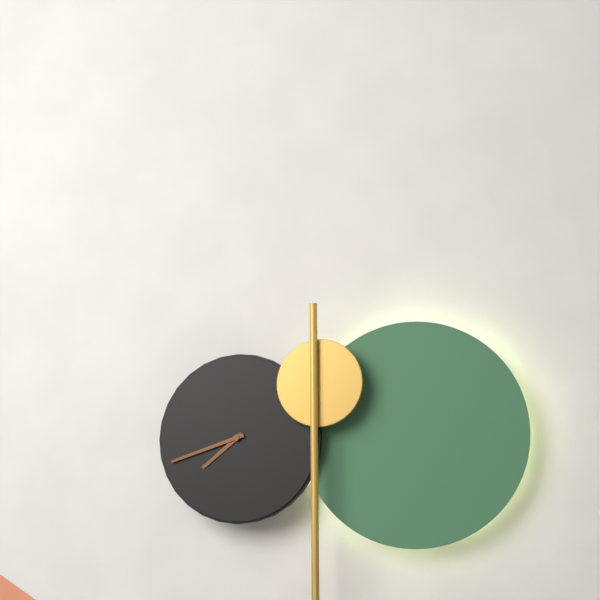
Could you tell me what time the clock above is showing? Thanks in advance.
7:42
